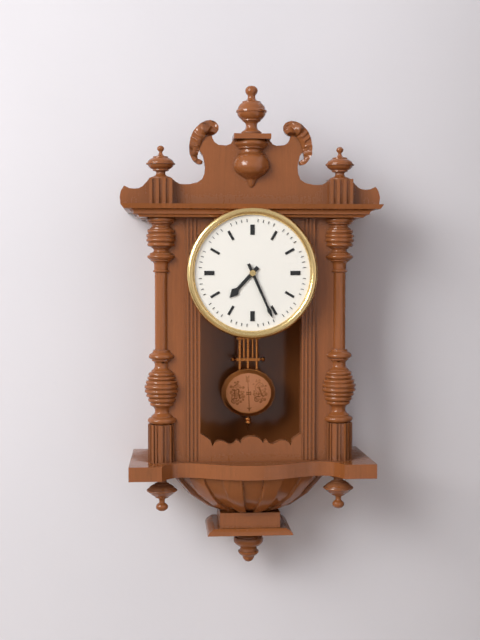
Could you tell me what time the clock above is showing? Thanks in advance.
7:26
